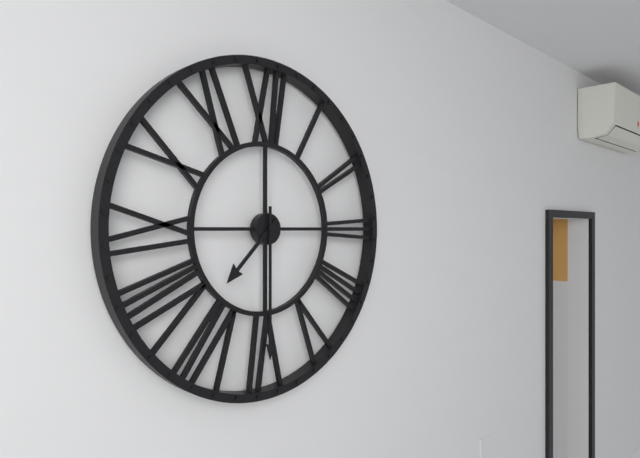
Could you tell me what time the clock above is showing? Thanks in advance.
7:30
